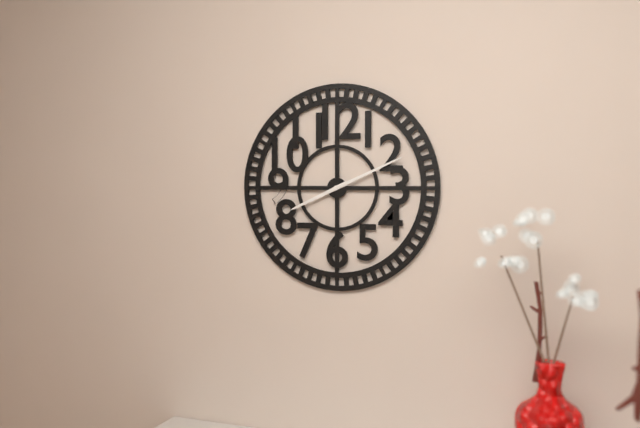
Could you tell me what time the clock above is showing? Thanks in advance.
8:11
